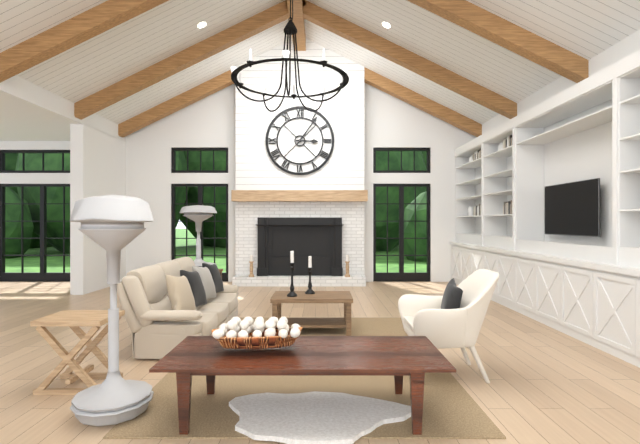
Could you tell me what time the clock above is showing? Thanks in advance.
3:06
